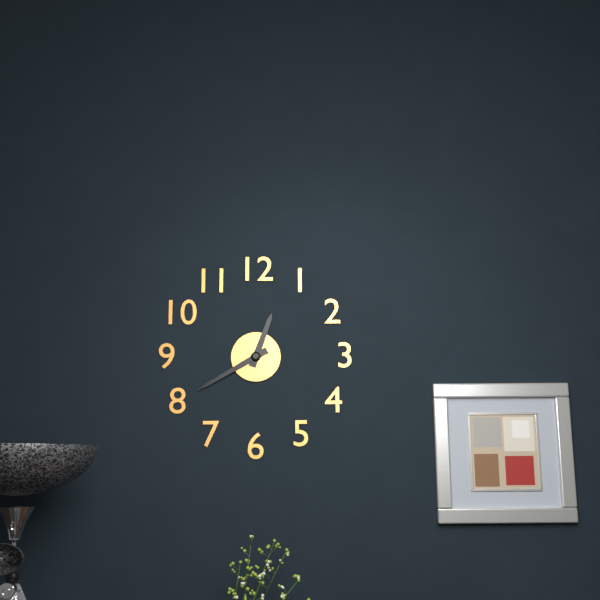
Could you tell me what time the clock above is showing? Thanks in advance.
12:40
